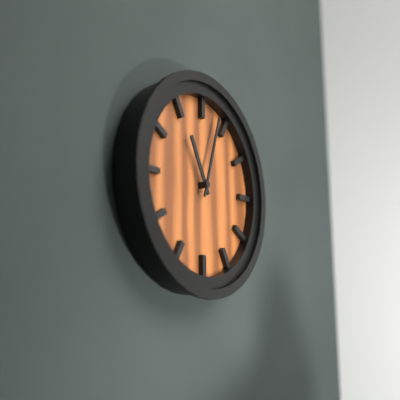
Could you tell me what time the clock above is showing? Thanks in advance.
11:03
